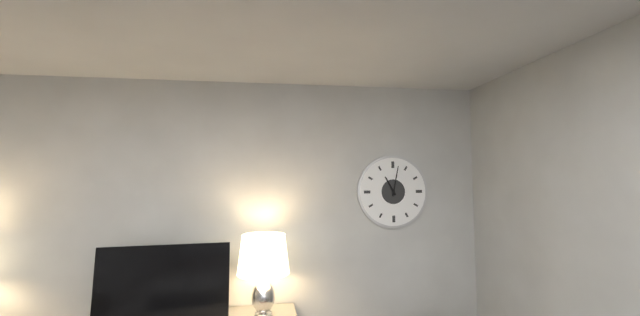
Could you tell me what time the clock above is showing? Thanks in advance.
11:02
